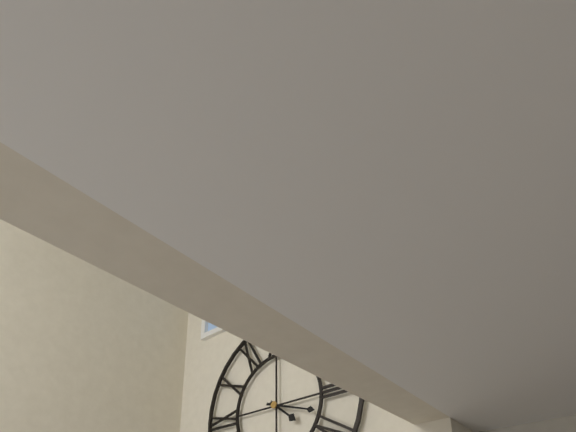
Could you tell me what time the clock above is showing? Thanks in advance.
4:18
